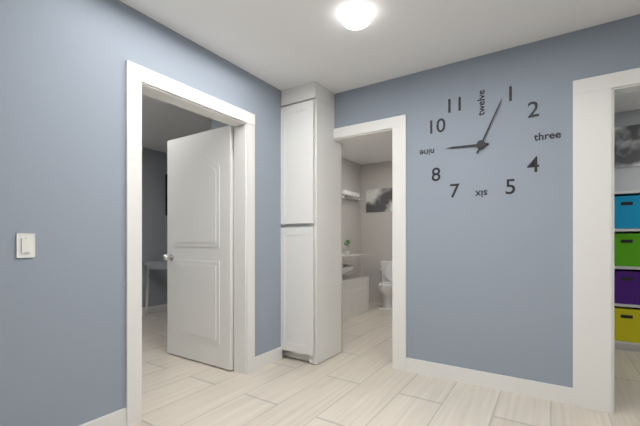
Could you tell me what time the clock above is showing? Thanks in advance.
9:04
